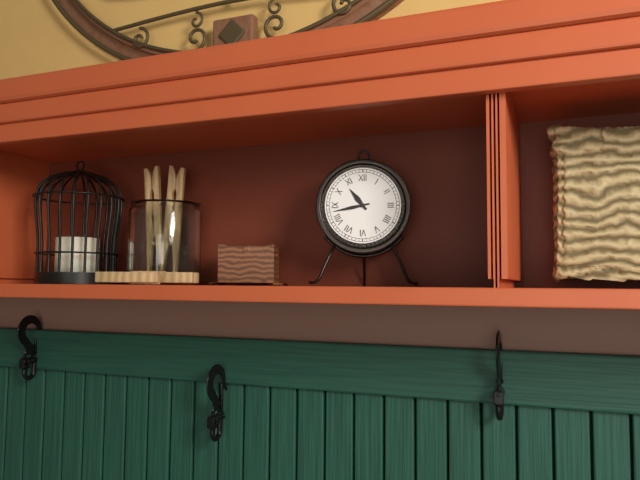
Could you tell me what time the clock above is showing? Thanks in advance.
10:43
